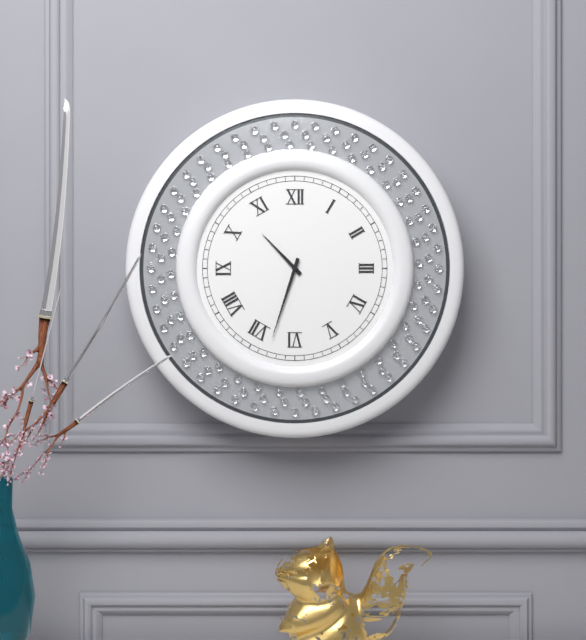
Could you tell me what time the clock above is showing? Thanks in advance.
10:33
